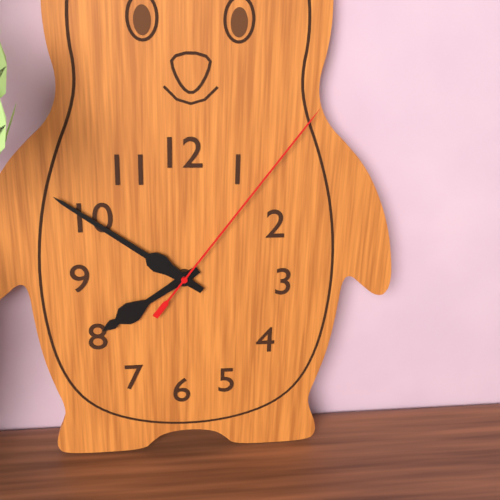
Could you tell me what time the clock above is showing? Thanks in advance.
7:51:06
